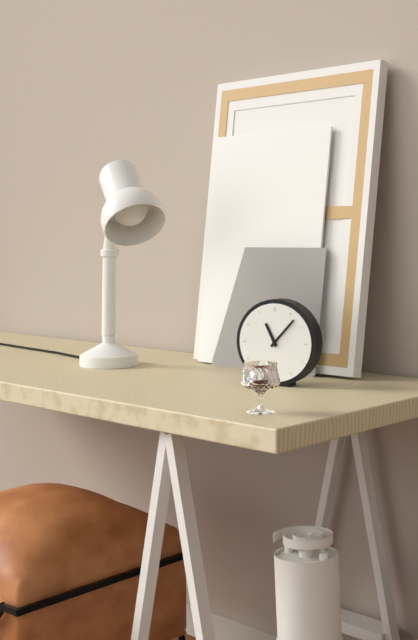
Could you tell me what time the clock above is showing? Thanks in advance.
11:07
